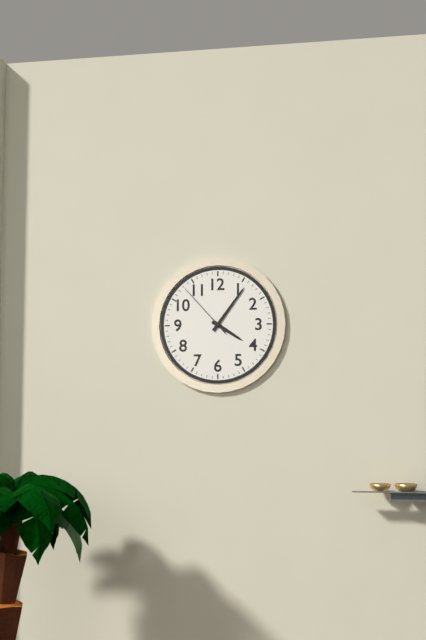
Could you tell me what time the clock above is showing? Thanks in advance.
4:06:53
